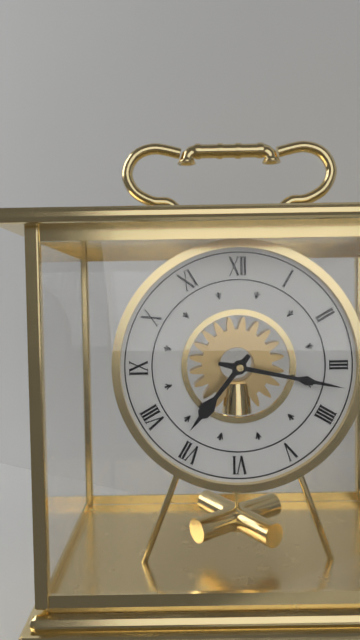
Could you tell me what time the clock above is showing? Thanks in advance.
7:17
